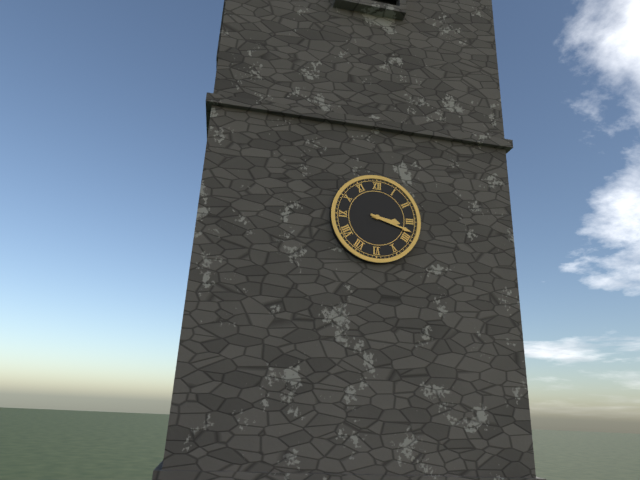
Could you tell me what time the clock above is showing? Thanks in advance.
3:18
